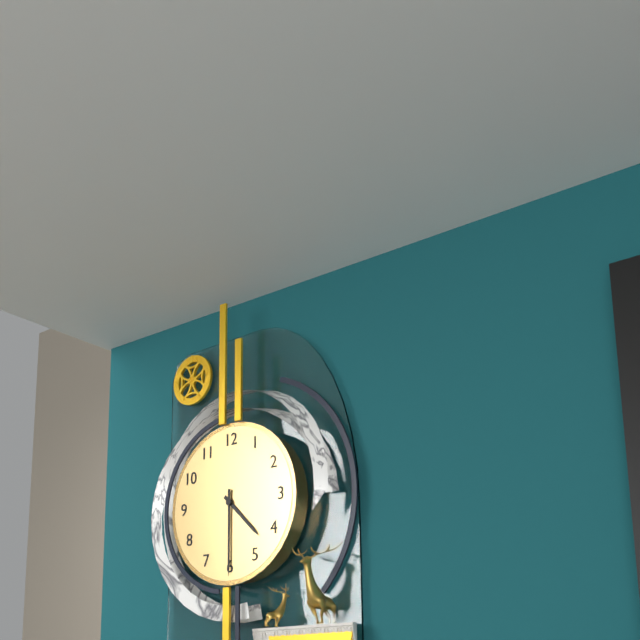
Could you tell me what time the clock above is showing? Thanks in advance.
4:30
